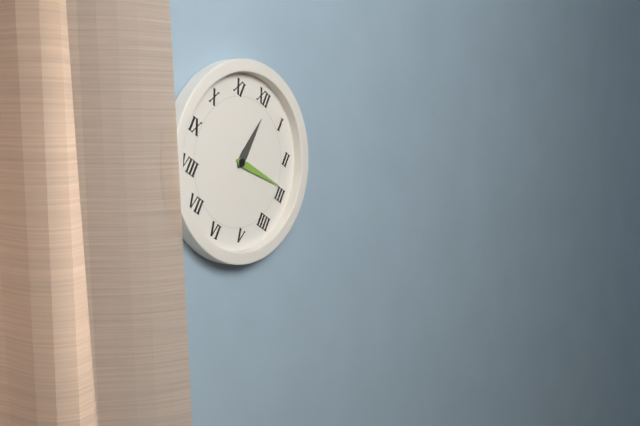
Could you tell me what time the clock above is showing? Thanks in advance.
12:14
